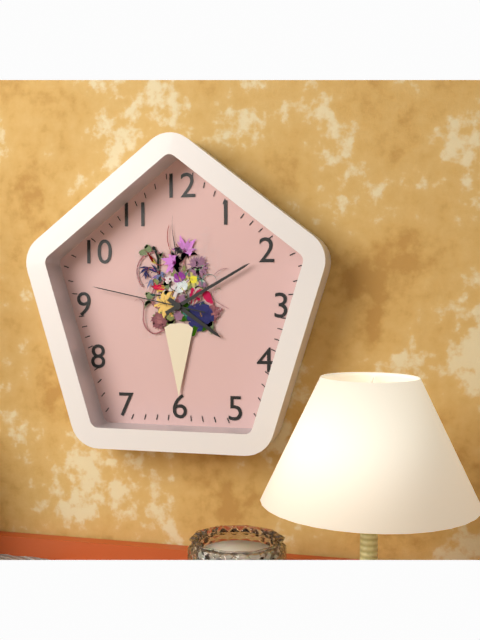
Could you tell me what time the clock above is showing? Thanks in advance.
4:10:47
